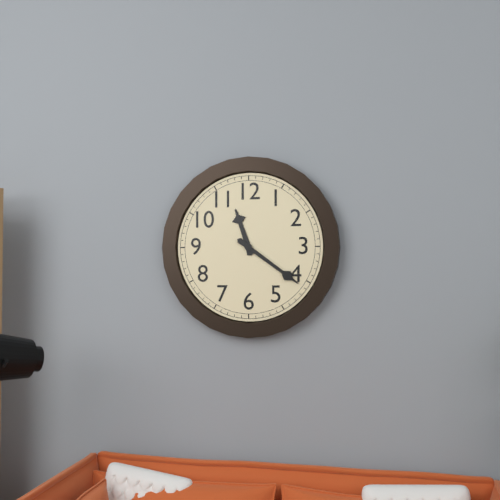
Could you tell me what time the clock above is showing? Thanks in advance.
11:21
